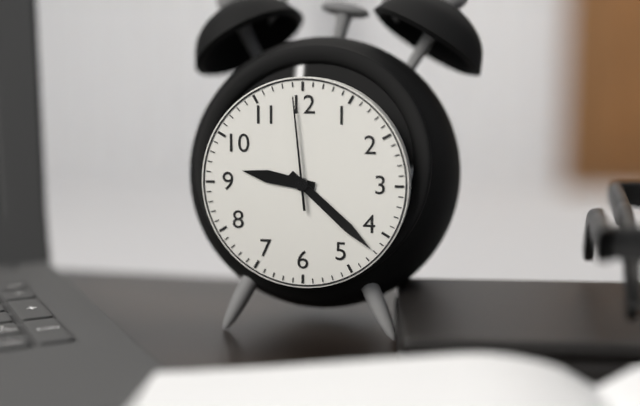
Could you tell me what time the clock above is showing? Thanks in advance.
9:22:59
